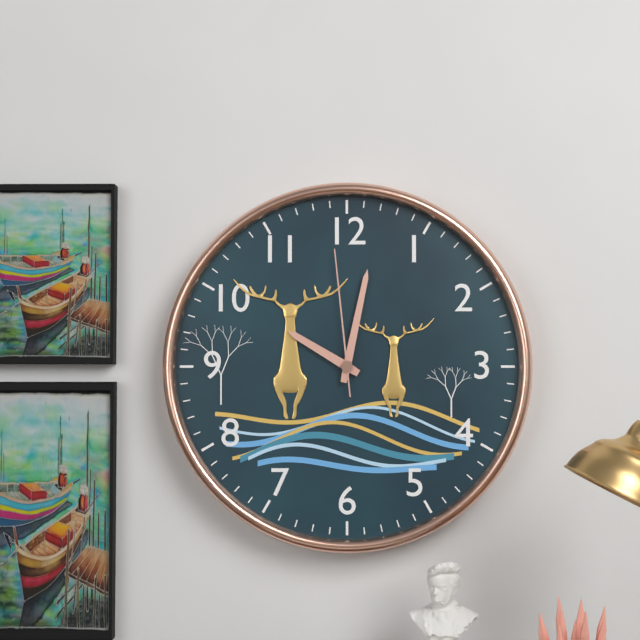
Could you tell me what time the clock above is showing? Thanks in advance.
10:02:59
